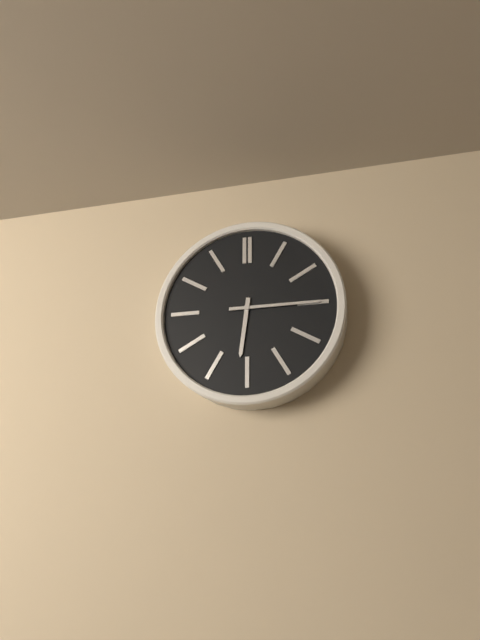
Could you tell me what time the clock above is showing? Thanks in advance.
6:15
